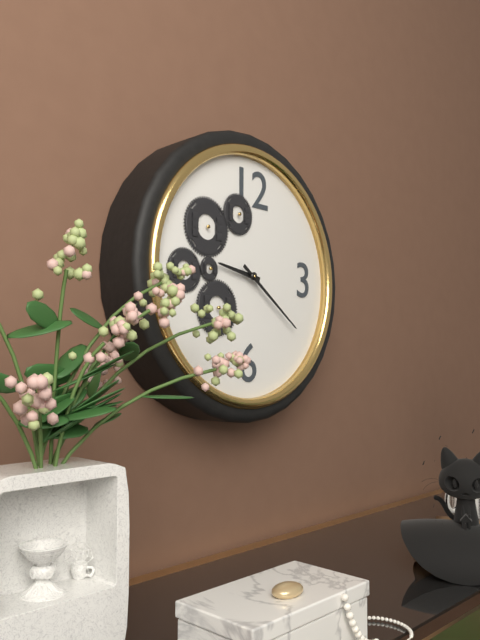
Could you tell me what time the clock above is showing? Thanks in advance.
9:21
